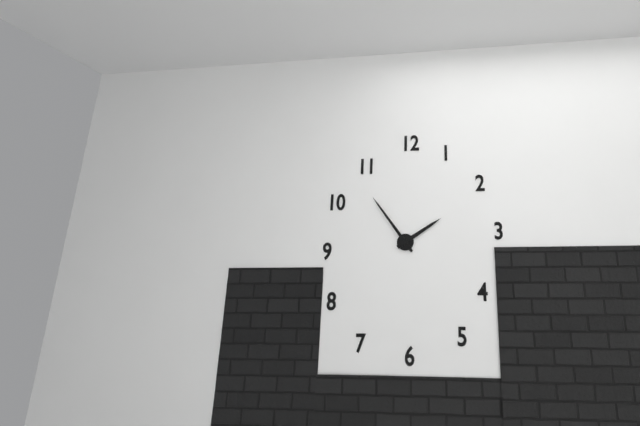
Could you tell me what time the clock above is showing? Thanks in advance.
1:54
